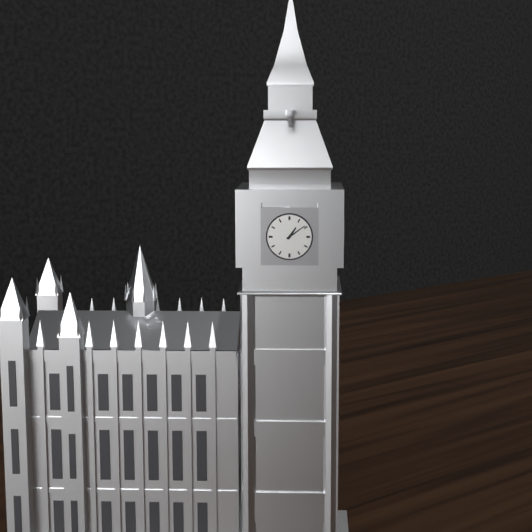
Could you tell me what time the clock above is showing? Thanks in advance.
1:09
